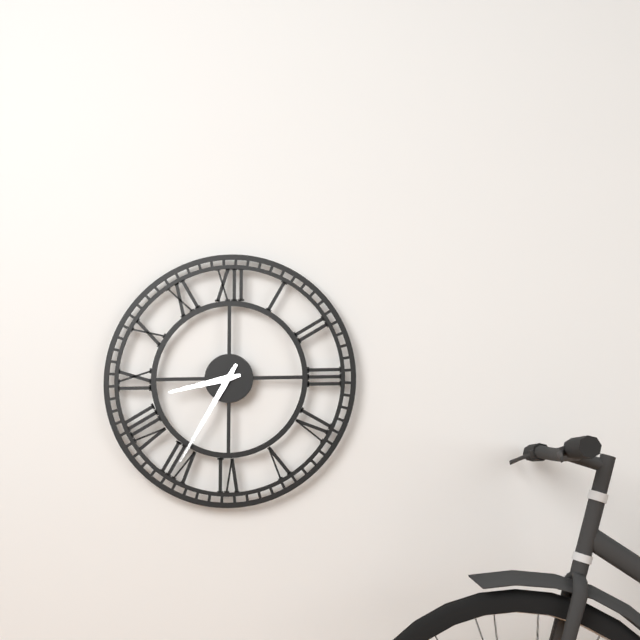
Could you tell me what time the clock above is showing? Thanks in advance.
8:35
